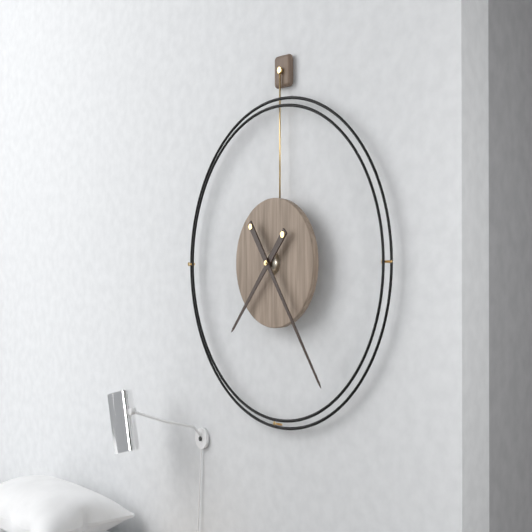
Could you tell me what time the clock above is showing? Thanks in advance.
7:24
